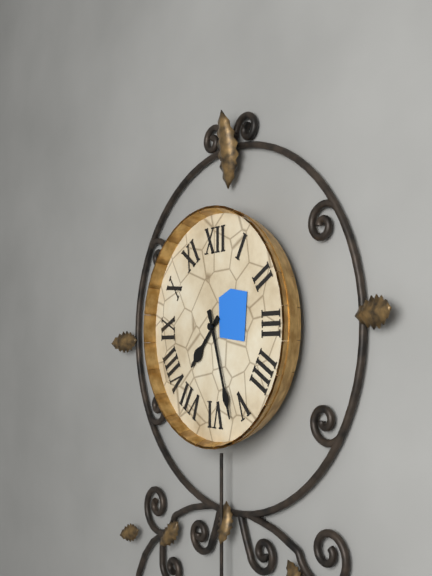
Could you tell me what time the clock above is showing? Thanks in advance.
7:27
